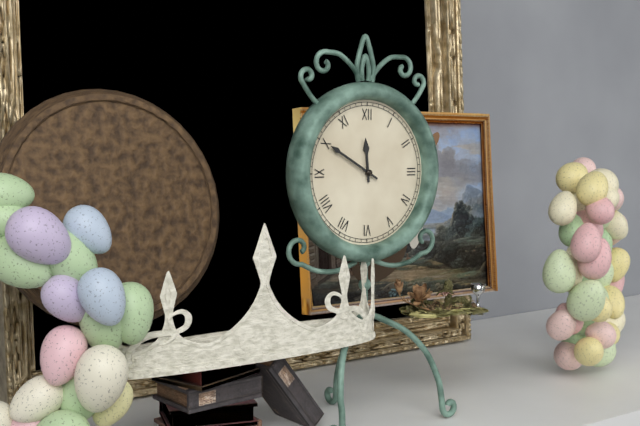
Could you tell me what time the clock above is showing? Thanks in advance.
11:50
